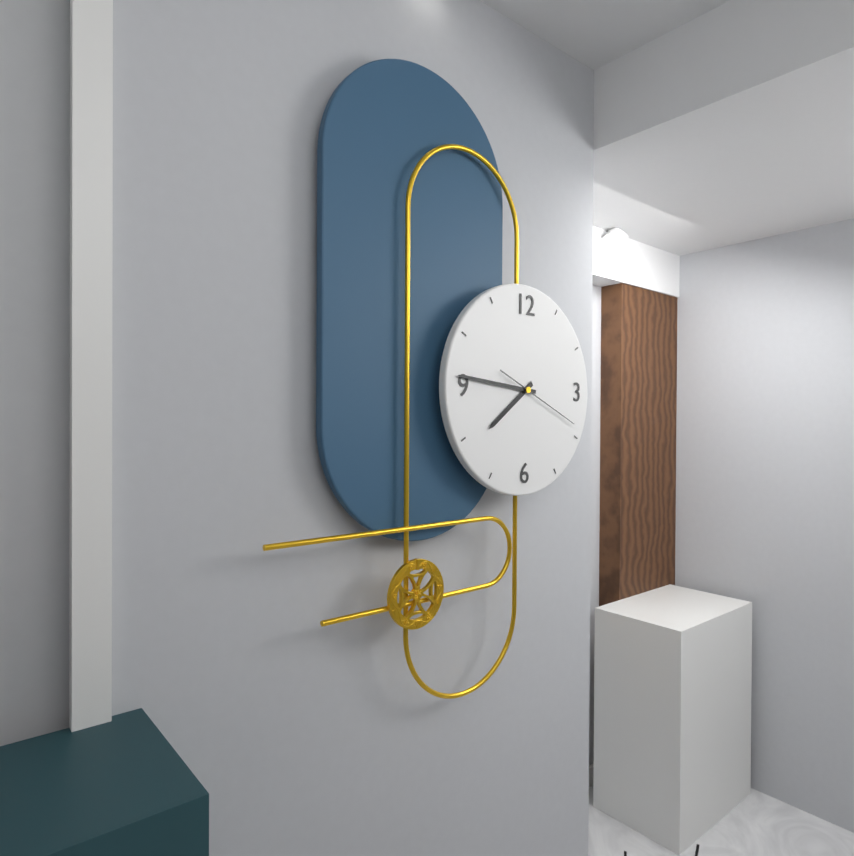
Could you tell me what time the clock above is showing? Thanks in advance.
7:46:19
